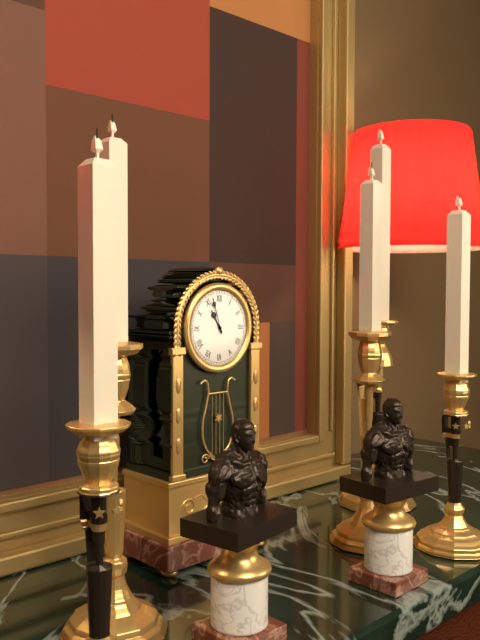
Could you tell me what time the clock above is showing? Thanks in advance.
10:57
